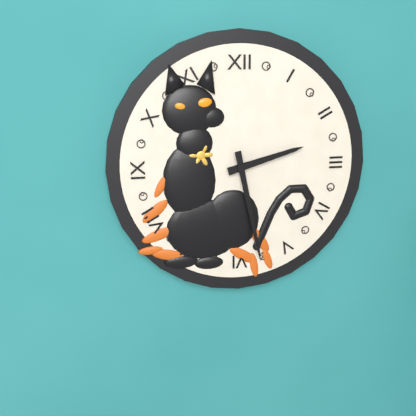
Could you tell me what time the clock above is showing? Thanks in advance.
2:28
